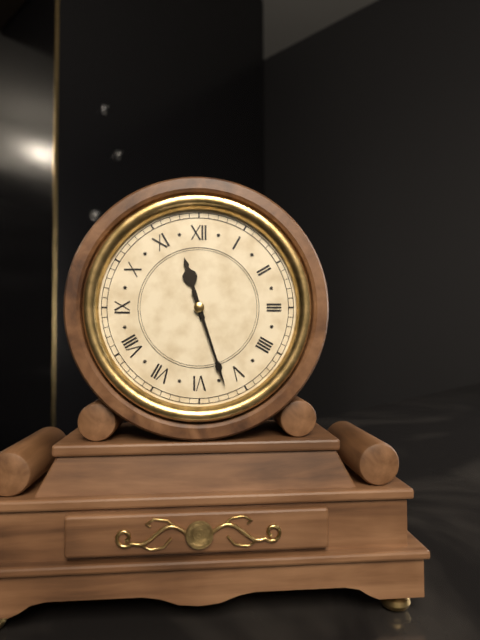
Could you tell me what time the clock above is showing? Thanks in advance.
11:27
